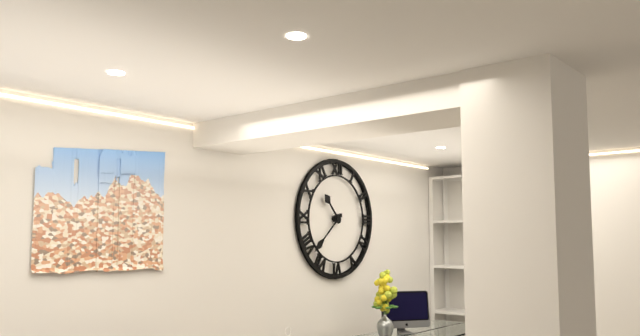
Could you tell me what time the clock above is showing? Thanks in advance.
10:38
